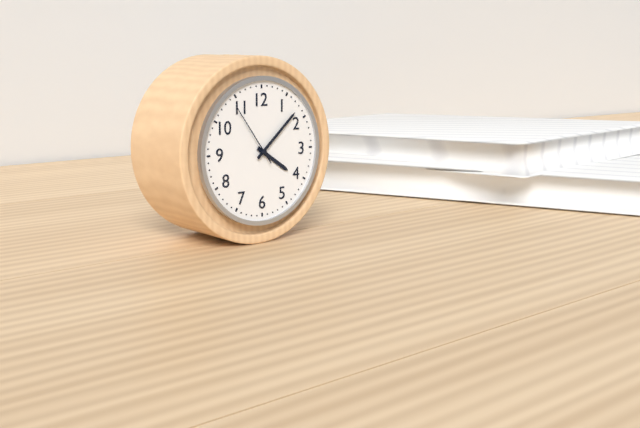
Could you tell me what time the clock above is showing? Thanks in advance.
4:08:54
